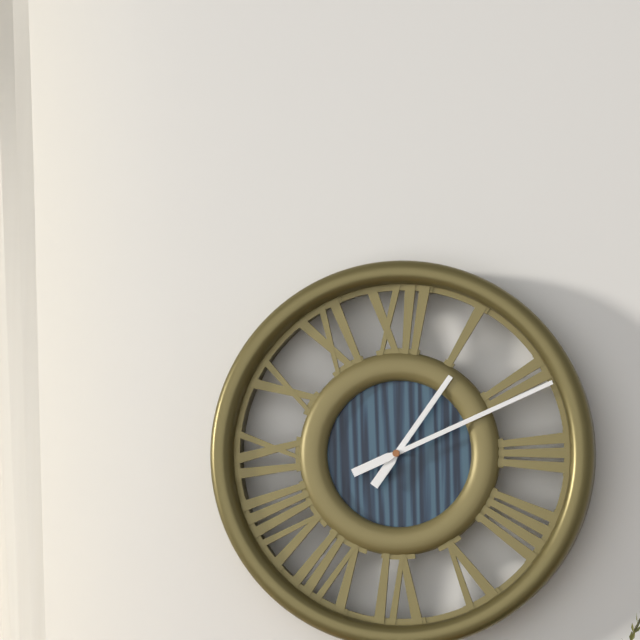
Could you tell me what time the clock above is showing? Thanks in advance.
1:11
